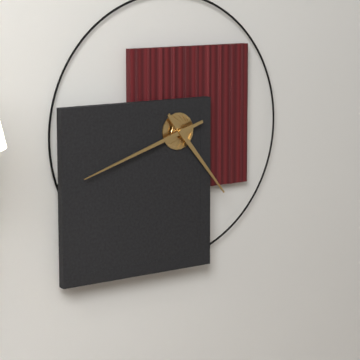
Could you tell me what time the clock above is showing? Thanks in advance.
4:42
